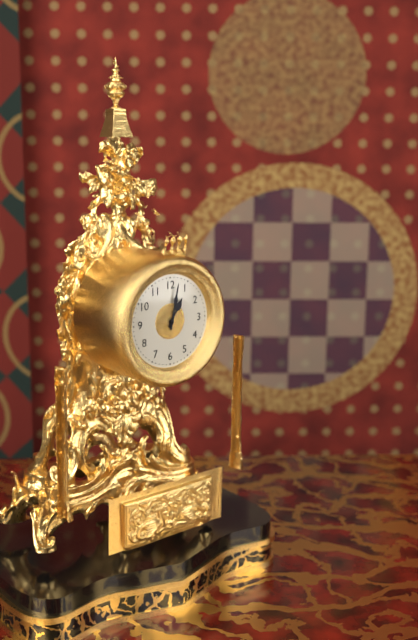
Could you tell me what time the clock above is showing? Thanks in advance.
1:02
